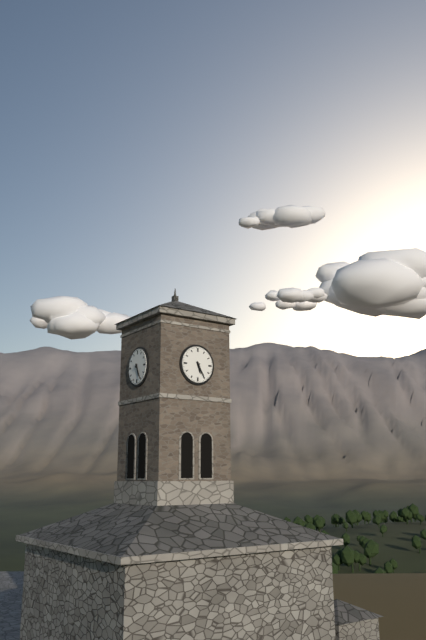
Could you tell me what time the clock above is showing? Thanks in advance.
5:25
